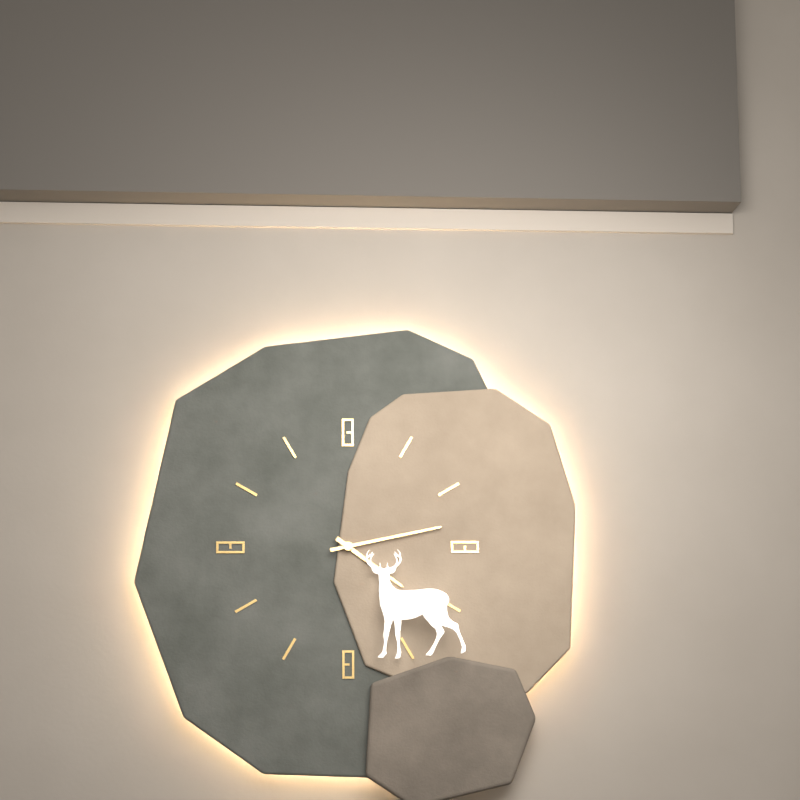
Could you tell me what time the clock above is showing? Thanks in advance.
4:13
